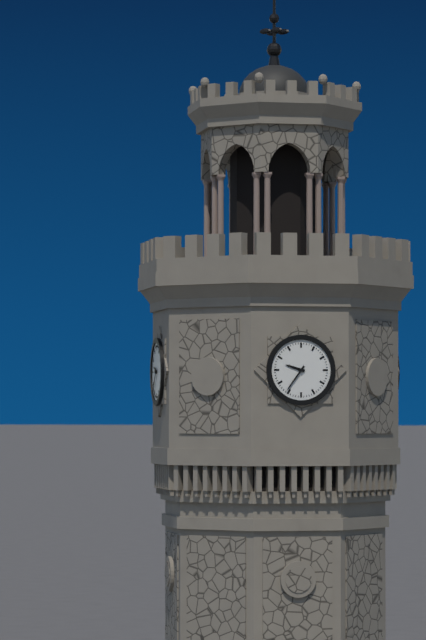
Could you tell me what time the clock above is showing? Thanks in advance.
9:36
